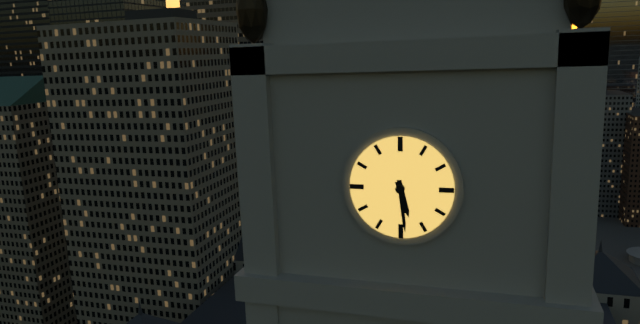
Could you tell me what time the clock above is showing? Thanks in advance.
5:29
